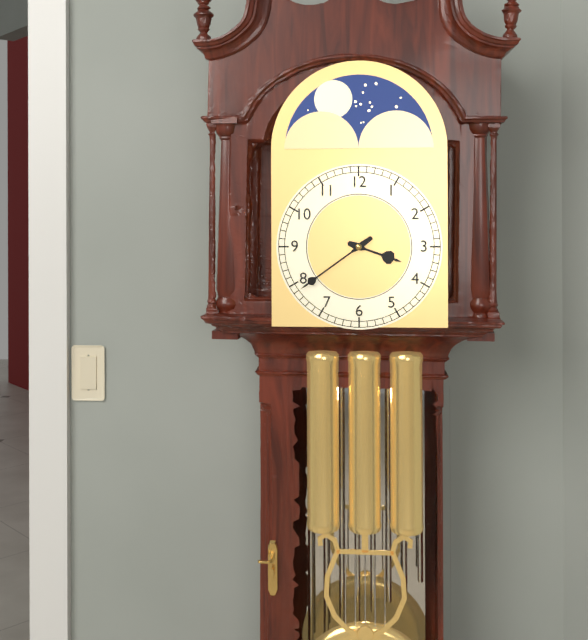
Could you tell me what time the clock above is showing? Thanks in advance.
3:39
